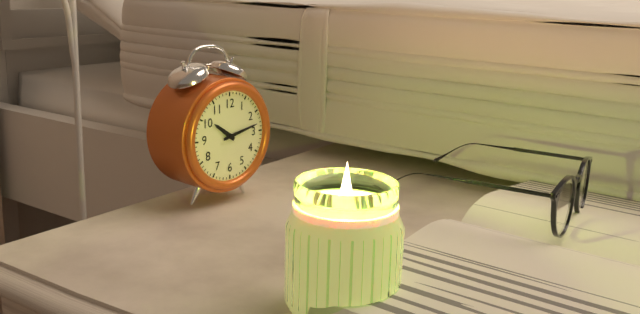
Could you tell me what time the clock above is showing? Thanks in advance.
10:13
